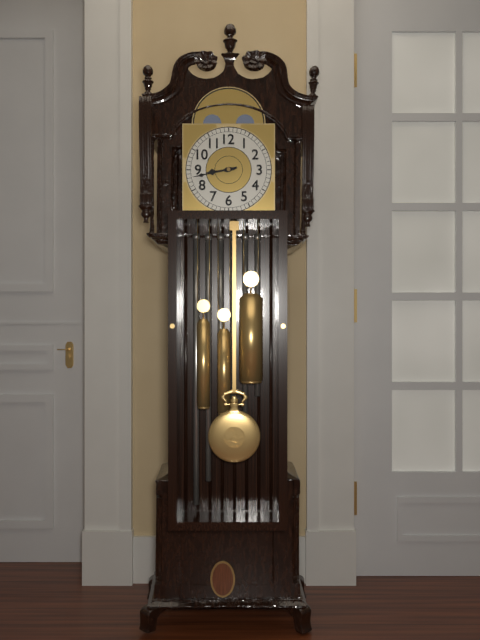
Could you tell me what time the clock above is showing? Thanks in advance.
8:43
